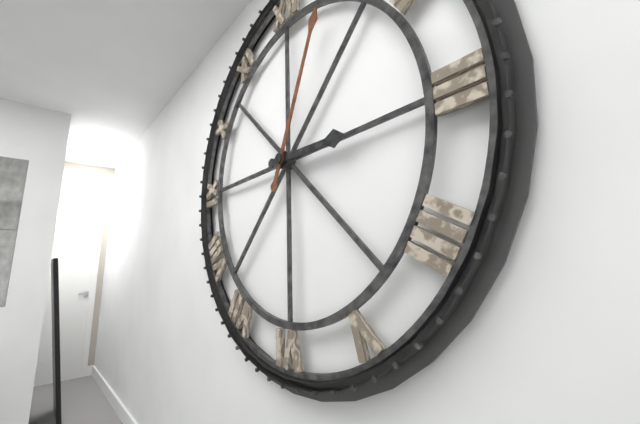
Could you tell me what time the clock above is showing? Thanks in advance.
3:04
